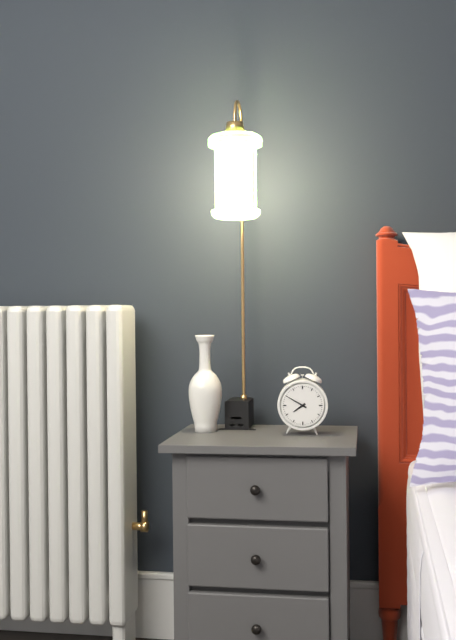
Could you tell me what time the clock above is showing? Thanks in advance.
7:50
